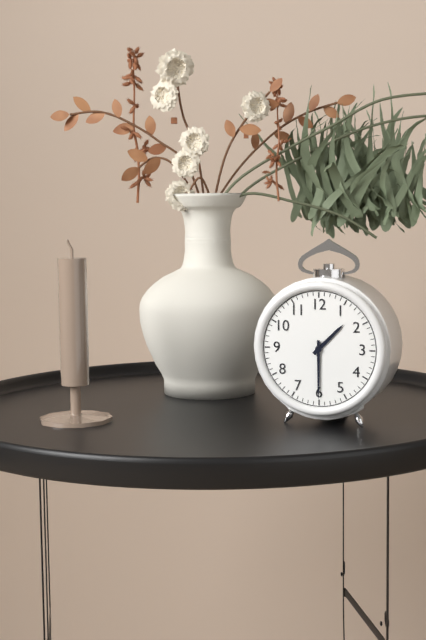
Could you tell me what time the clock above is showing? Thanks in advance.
1:30
